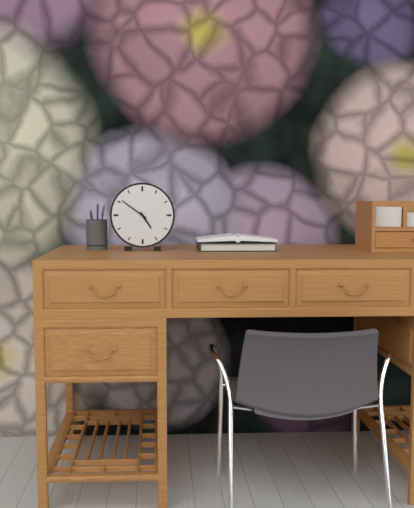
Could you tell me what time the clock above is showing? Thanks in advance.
4:51
